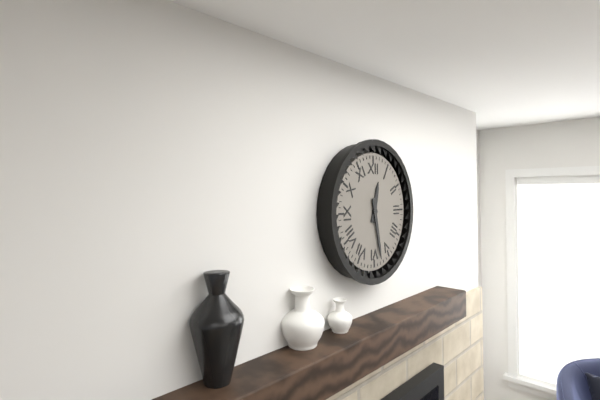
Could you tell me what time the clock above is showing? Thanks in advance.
12:28
